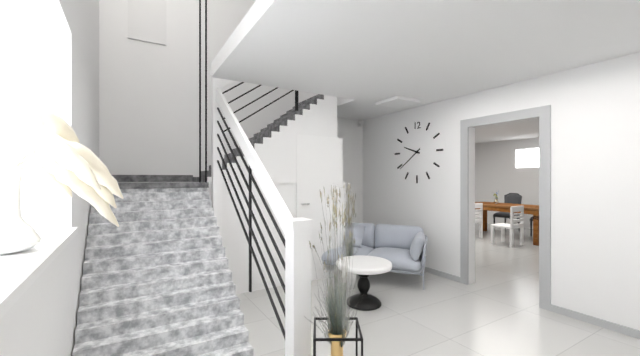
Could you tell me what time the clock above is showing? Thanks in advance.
9:39
